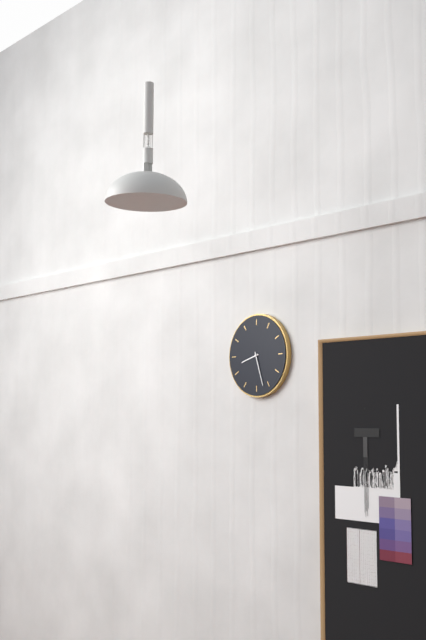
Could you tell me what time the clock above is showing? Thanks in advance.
8:27
